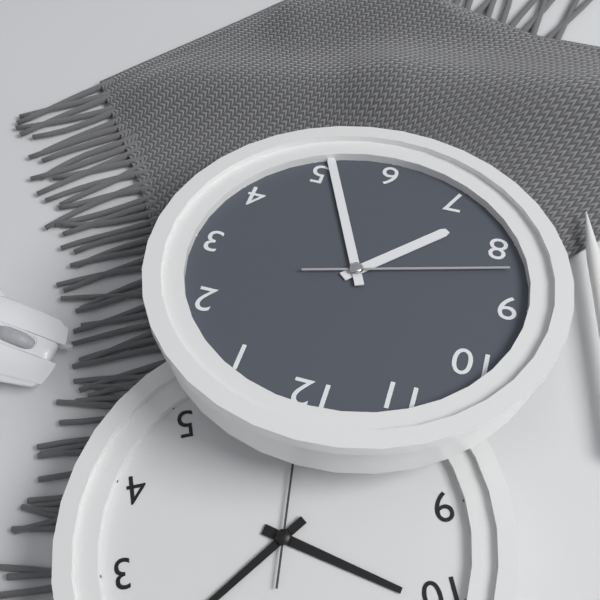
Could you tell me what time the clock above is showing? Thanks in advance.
7:26:42
